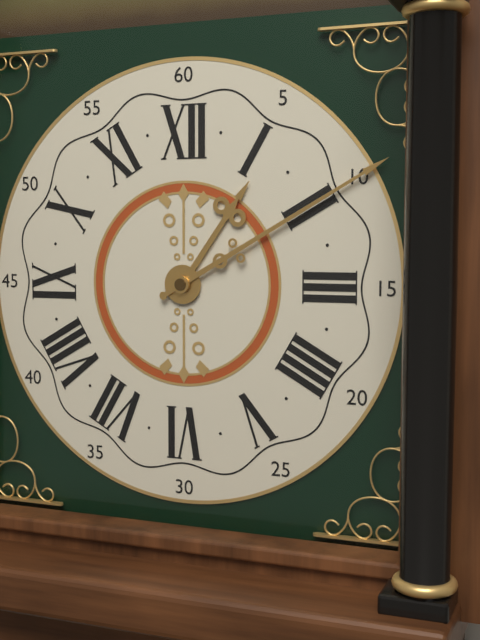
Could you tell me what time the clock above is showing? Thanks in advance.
1:10
